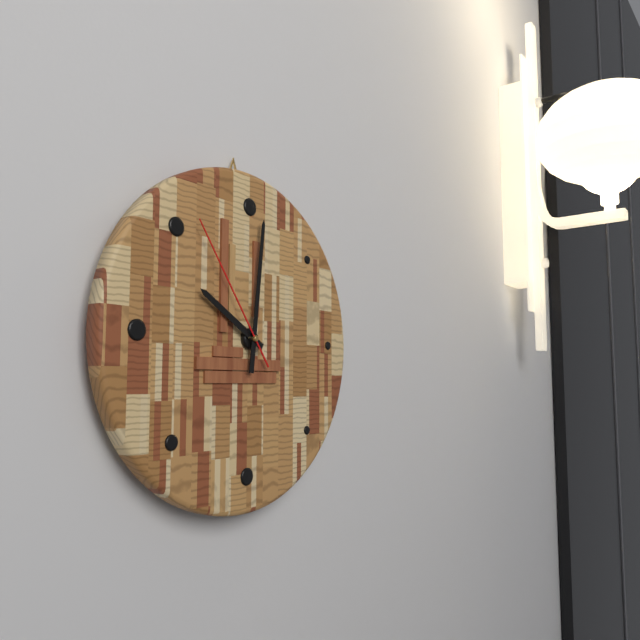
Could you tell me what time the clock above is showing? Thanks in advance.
10:01:54
